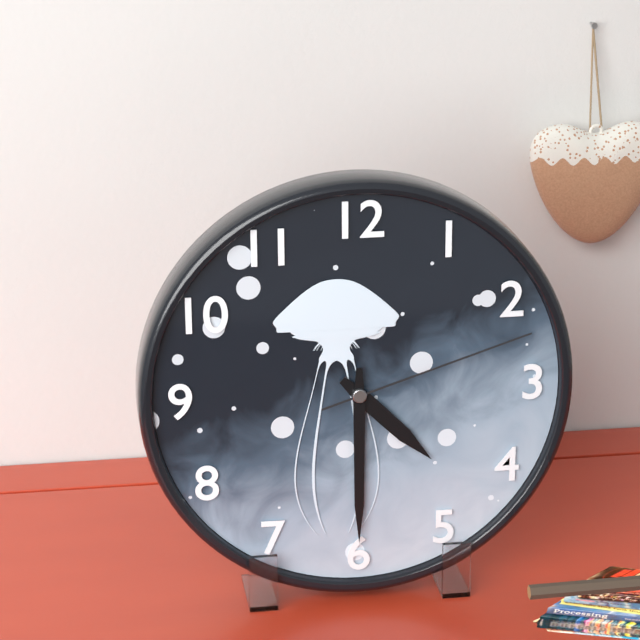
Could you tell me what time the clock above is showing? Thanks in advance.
4:30:12
